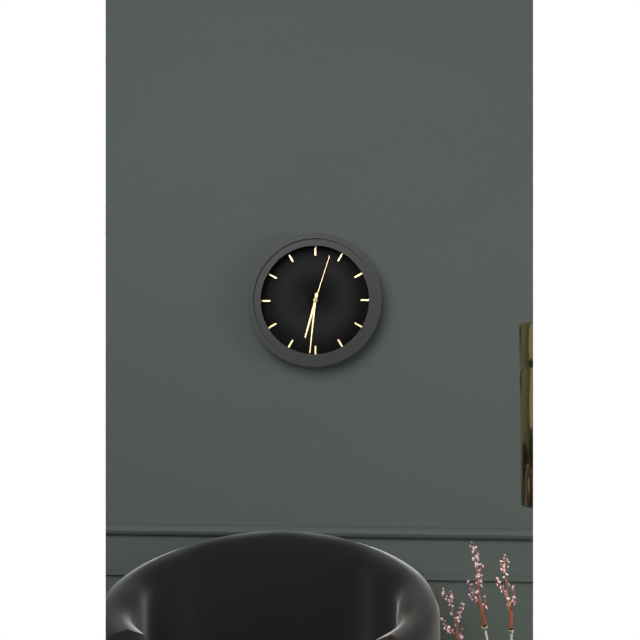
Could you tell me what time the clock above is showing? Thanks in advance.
6:31:03
